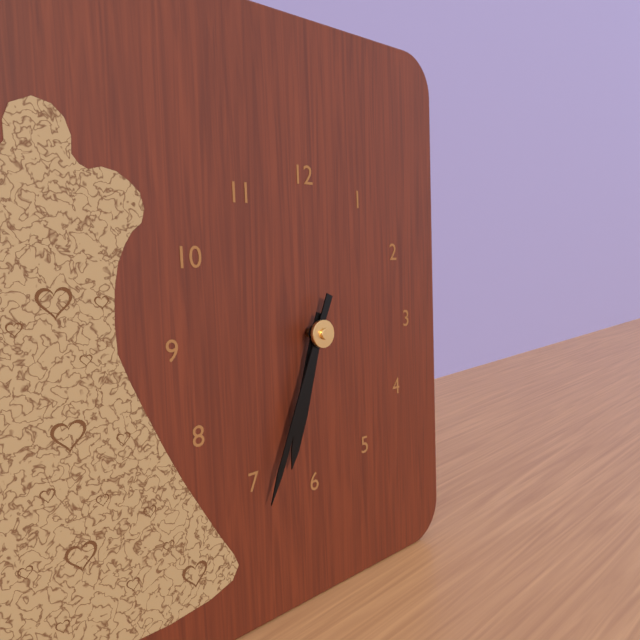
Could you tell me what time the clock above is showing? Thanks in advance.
6:34
